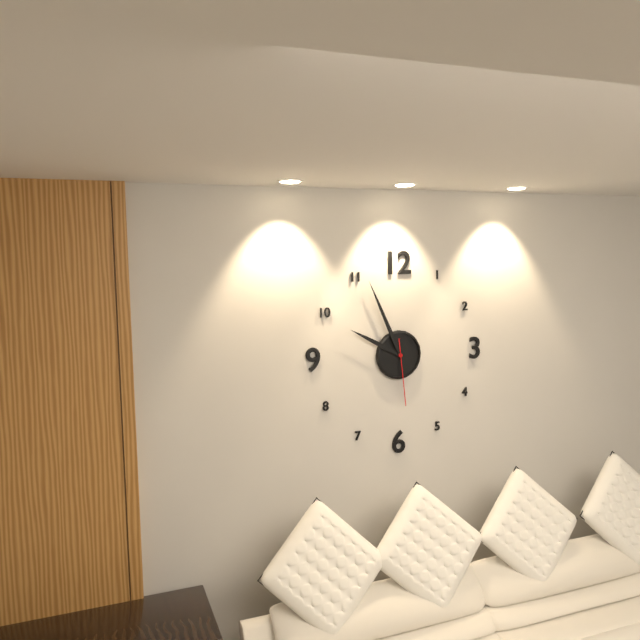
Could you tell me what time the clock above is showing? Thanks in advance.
9:56:29
